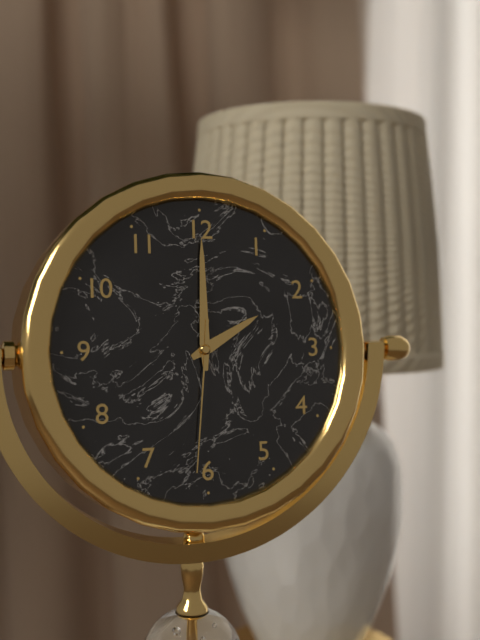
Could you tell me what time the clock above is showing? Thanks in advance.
2:00:31
